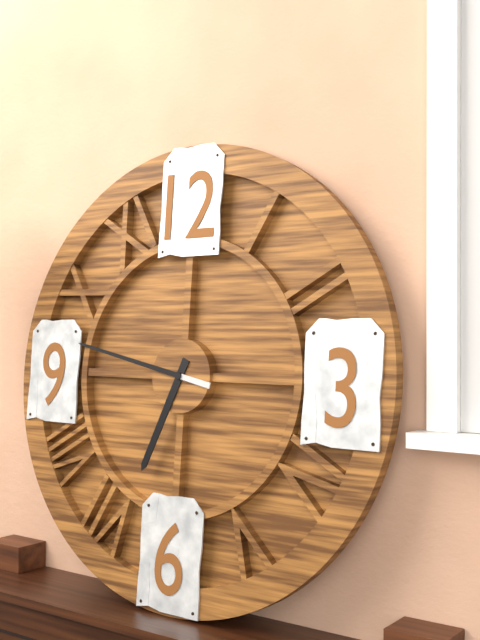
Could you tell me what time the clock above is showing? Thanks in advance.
6:47
